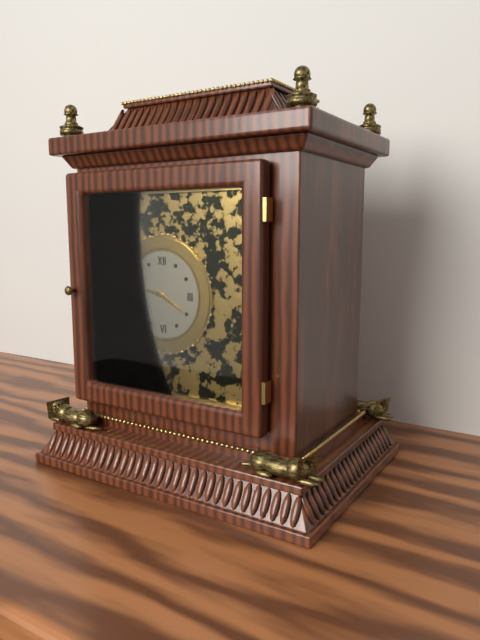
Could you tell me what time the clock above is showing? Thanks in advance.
9:20
